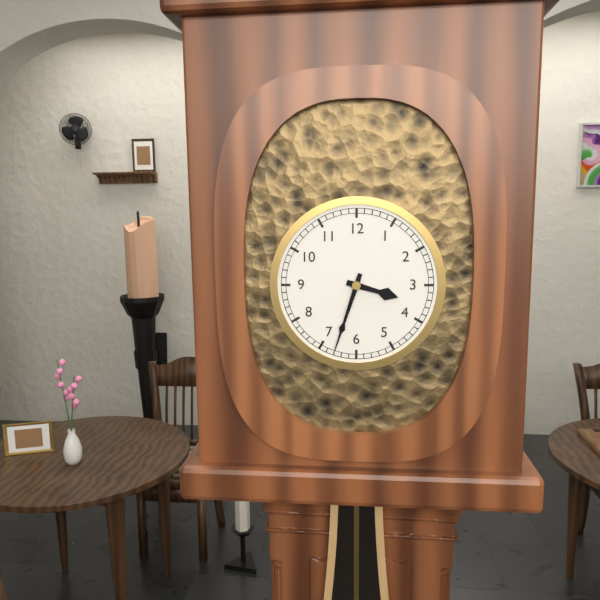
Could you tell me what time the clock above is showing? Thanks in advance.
3:33
